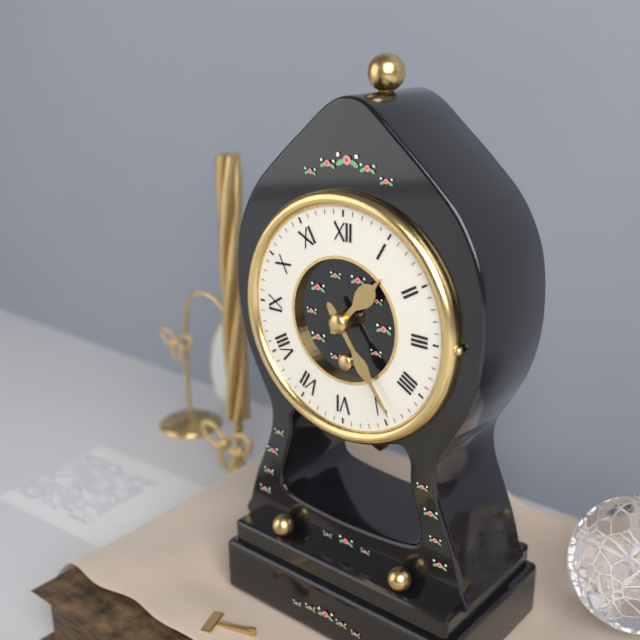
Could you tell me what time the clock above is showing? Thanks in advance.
1:24
